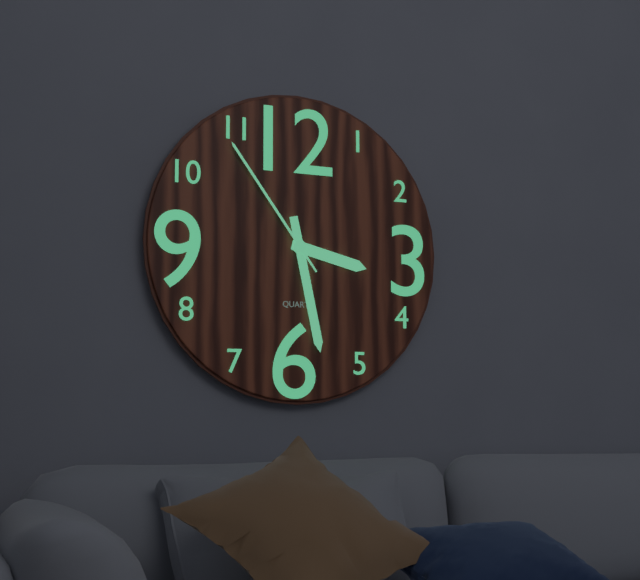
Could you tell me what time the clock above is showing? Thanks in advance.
3:28:54
